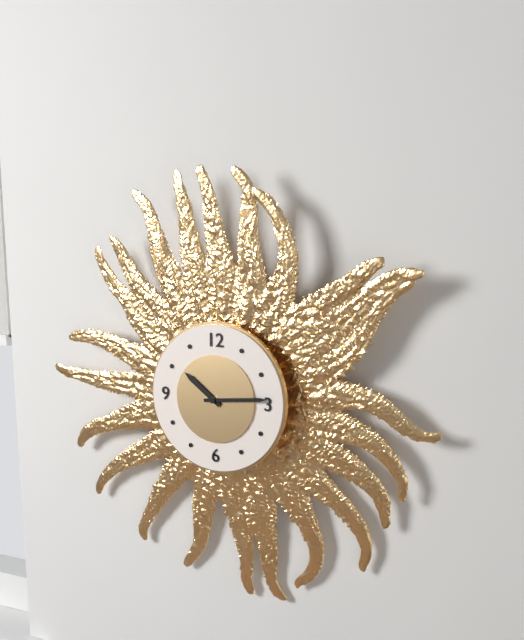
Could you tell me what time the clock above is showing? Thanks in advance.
10:14
